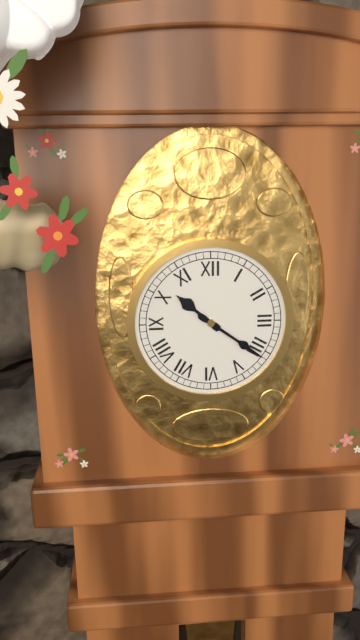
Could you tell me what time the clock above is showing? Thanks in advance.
10:21
